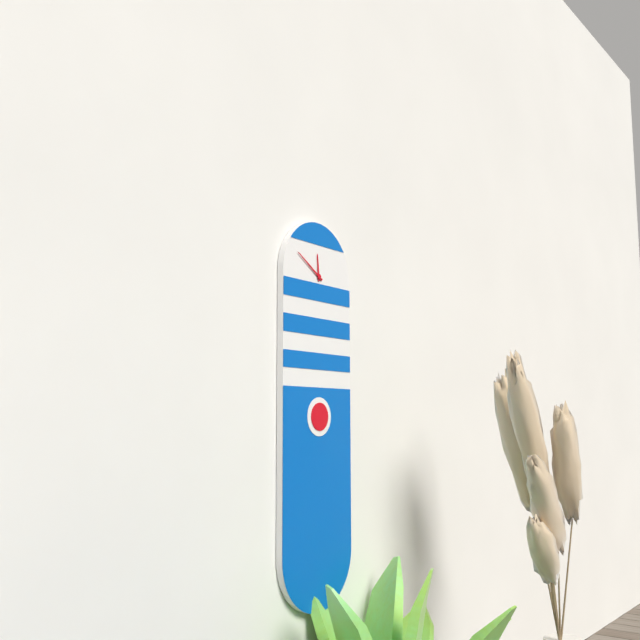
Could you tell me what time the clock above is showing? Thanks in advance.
11:50
